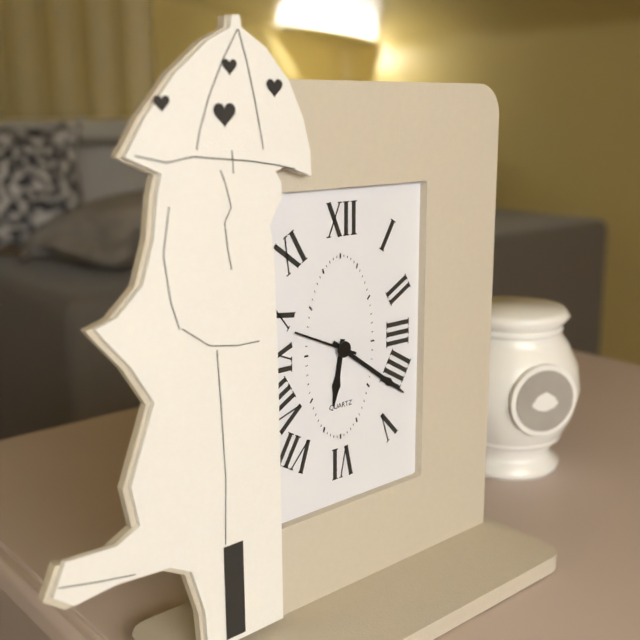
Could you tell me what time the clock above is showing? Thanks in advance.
6:21:49
